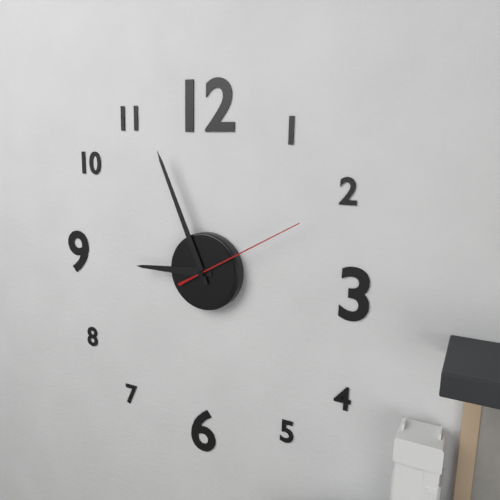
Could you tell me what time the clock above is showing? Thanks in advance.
8:56:10
